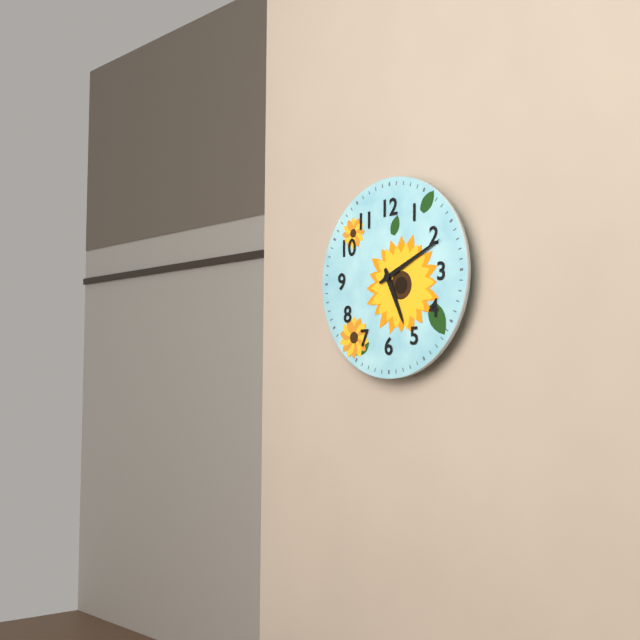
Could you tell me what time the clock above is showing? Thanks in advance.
5:11
